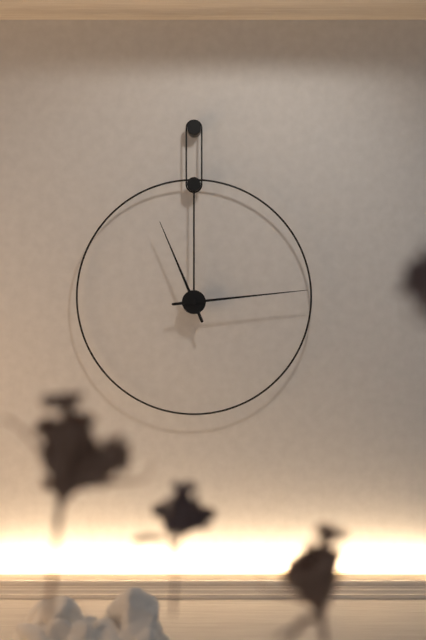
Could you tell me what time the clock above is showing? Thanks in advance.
11:14
